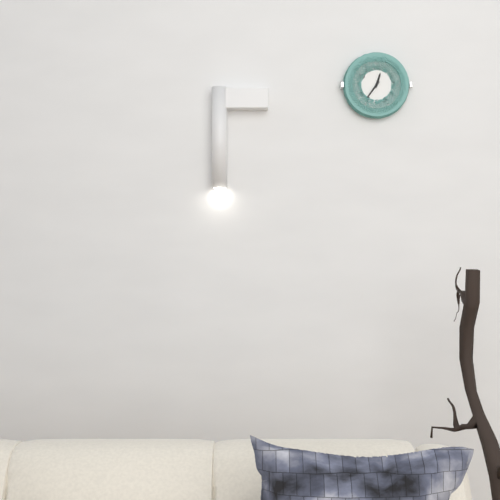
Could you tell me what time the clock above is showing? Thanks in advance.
12:36
